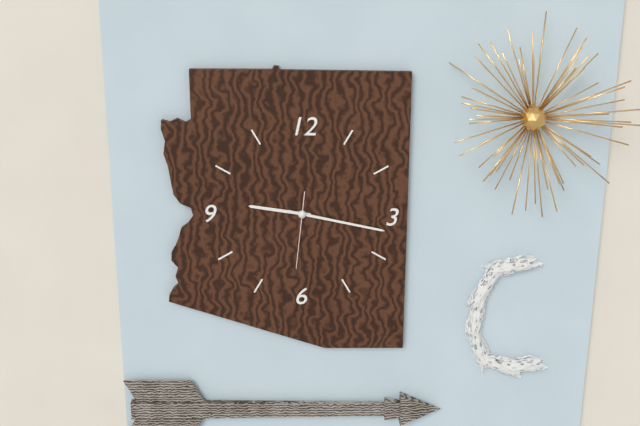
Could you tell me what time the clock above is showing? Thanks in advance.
9:17:31
